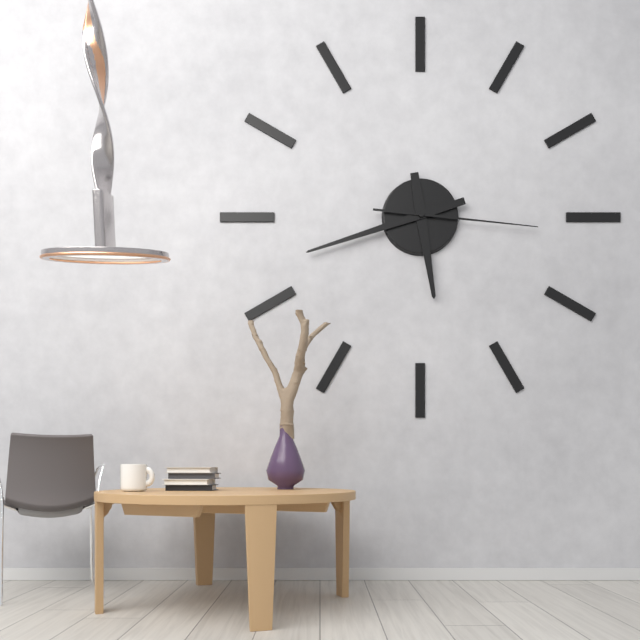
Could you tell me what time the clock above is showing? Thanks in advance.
5:42:16
